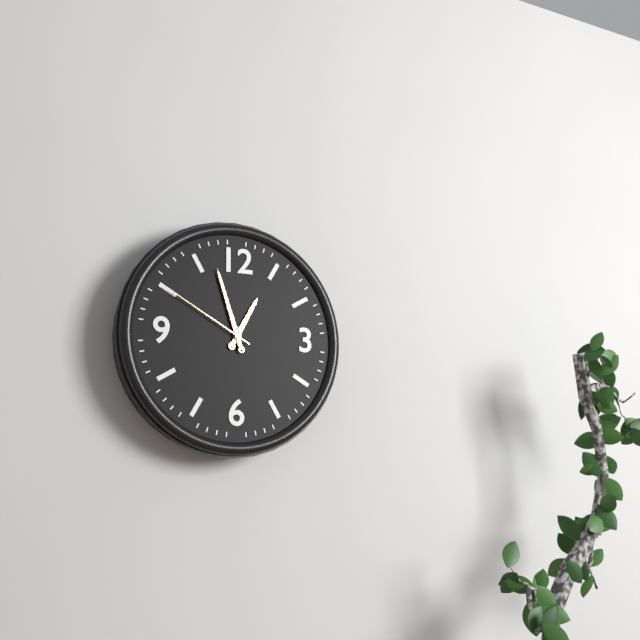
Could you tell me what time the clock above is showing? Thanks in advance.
12:57:50
